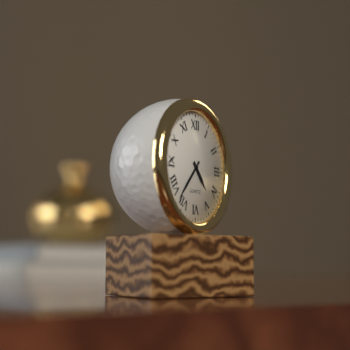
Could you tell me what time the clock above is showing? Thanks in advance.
4:37
